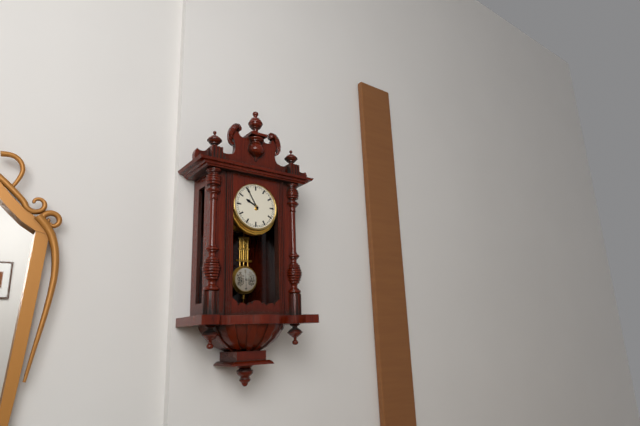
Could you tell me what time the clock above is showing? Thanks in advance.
9:55
